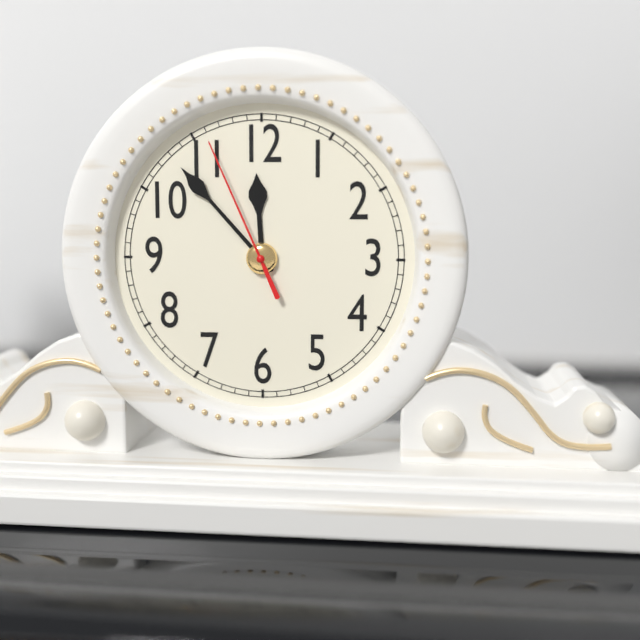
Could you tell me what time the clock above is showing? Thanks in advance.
11:53:56
